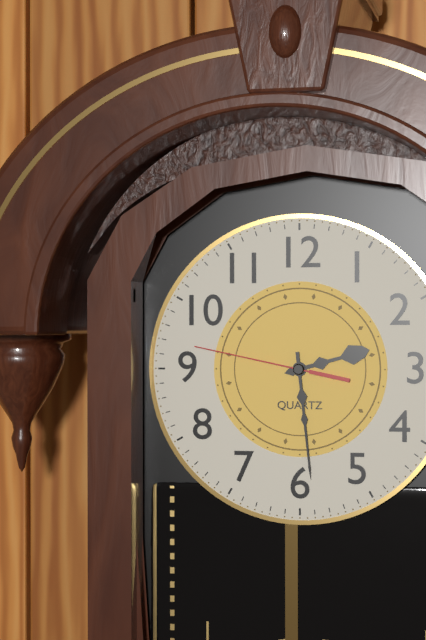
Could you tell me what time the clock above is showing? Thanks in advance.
2:29:47
